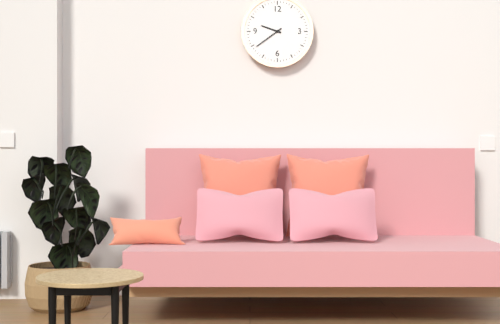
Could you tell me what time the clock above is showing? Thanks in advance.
9:39
